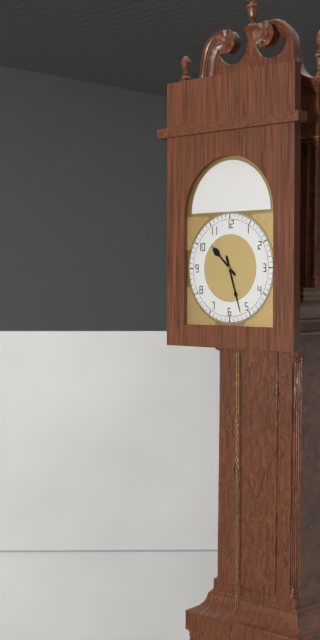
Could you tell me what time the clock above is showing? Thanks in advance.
10:27
